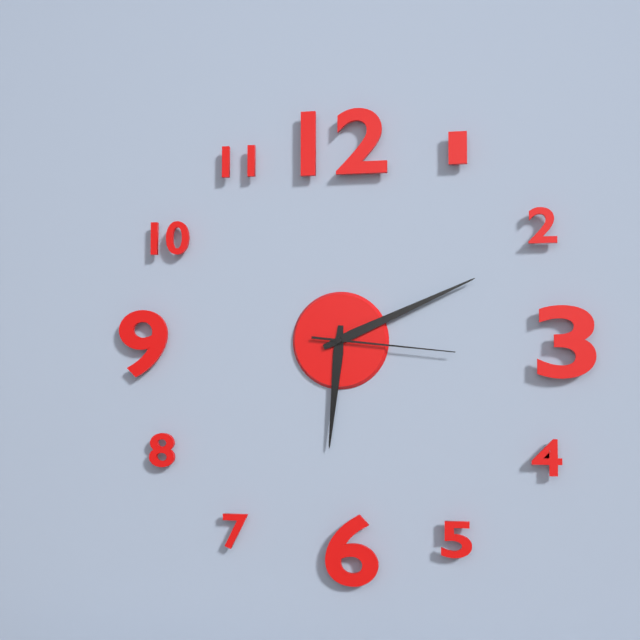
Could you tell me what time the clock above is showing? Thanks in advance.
6:11:16
